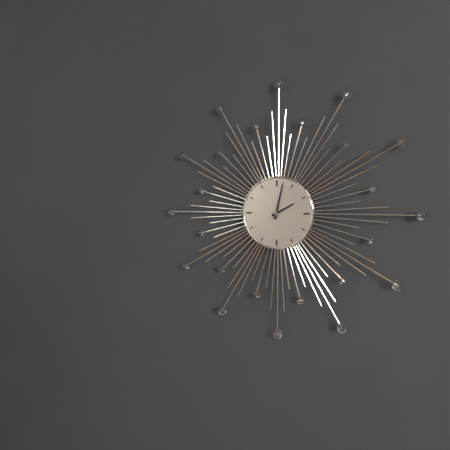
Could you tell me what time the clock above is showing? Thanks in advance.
2:02
